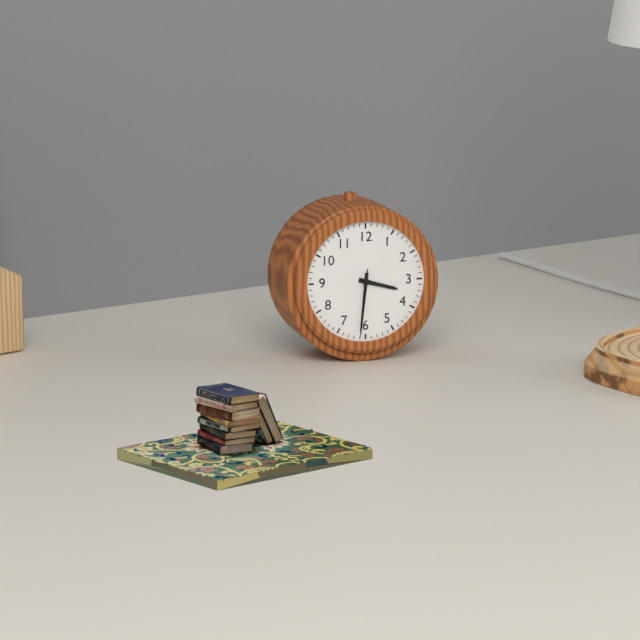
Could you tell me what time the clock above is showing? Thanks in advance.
3:31:31
